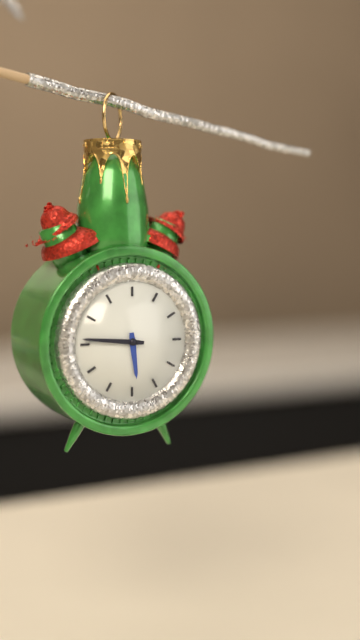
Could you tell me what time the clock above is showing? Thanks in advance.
5:46
